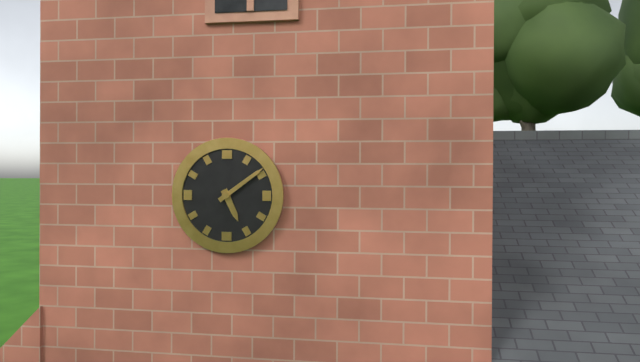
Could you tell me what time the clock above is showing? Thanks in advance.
5:09
